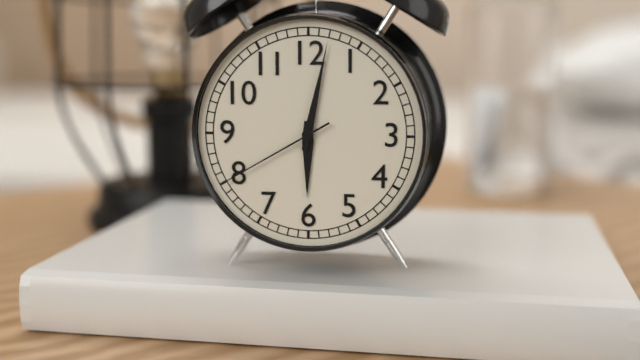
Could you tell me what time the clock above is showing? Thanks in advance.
6:02:40
